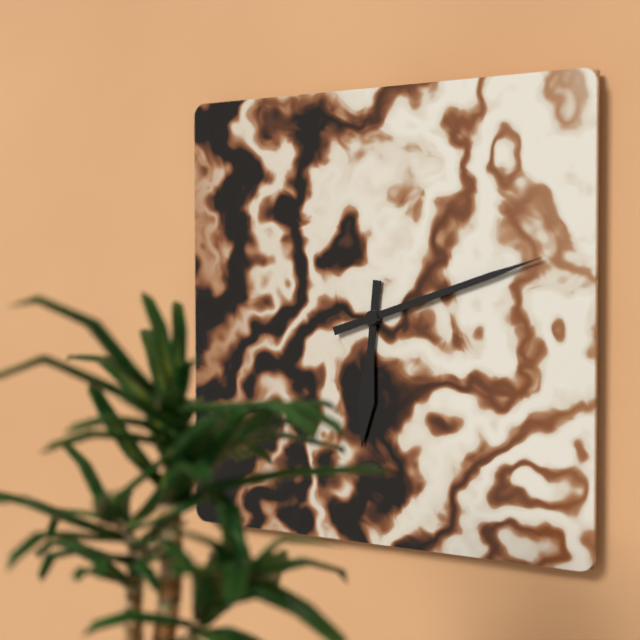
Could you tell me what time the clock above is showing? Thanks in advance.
6:12
